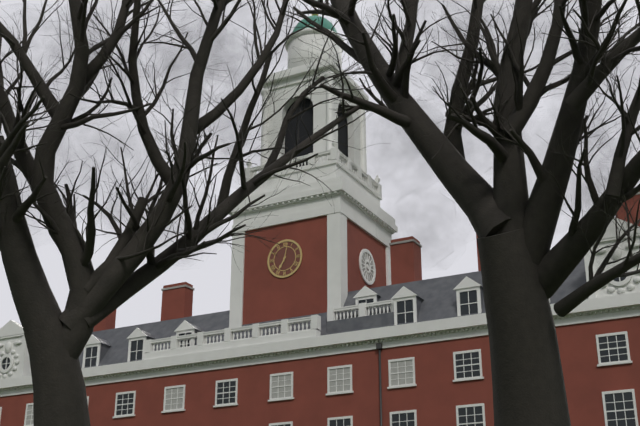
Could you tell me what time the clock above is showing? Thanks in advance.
7:02
